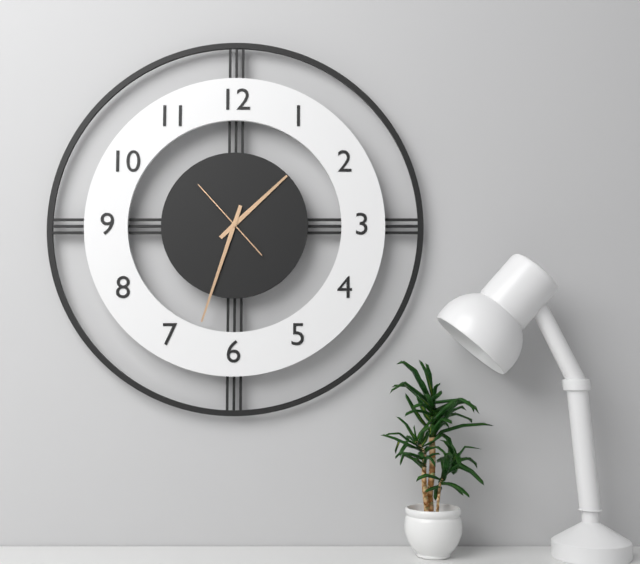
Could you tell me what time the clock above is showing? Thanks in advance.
1:33:53
